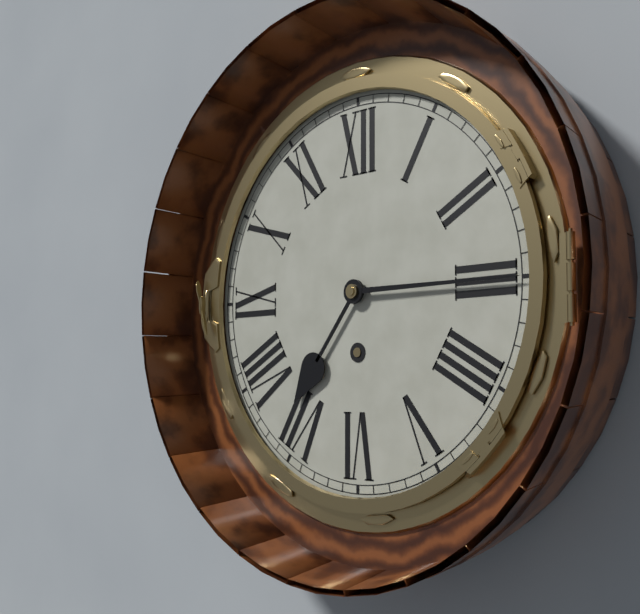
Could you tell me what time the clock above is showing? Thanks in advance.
7:15
